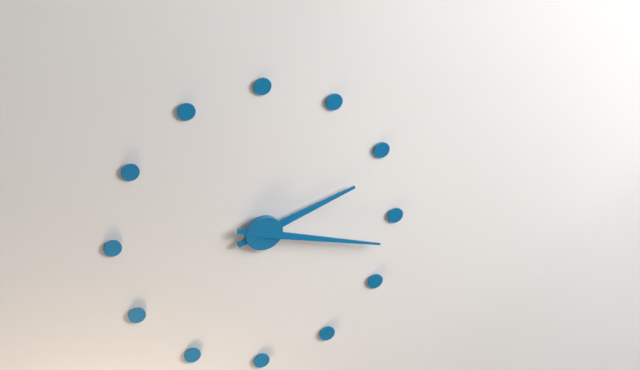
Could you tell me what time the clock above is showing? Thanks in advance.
2:17
